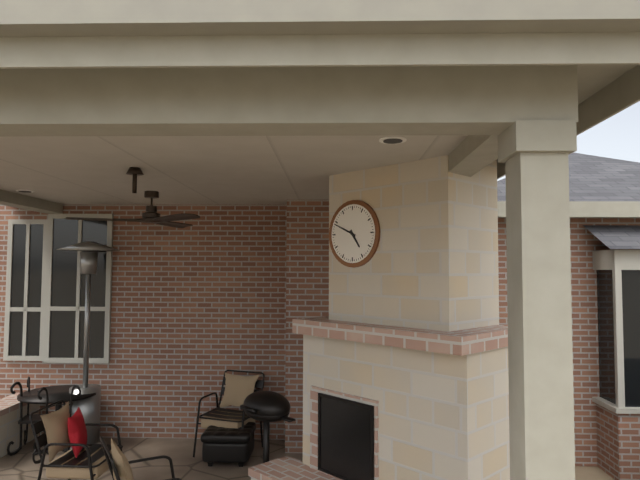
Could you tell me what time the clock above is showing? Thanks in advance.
4:49
